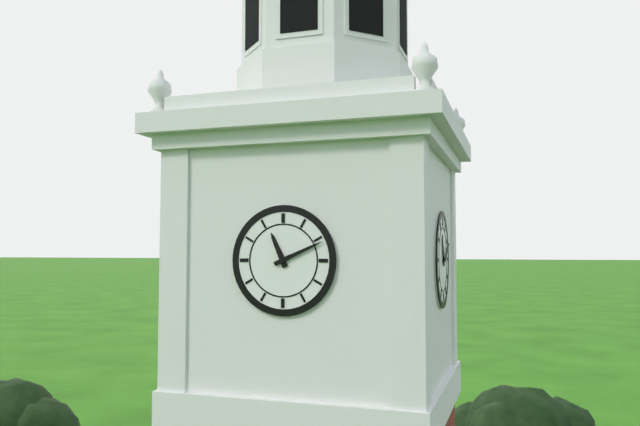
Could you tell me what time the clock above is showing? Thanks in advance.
11:11
